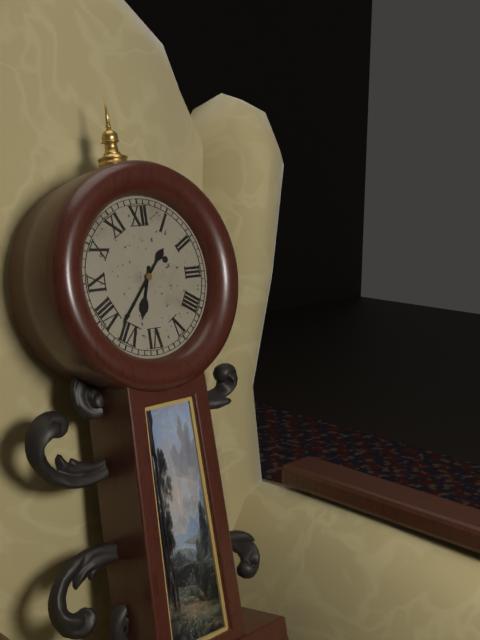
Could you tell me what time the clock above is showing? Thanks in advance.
6:37
